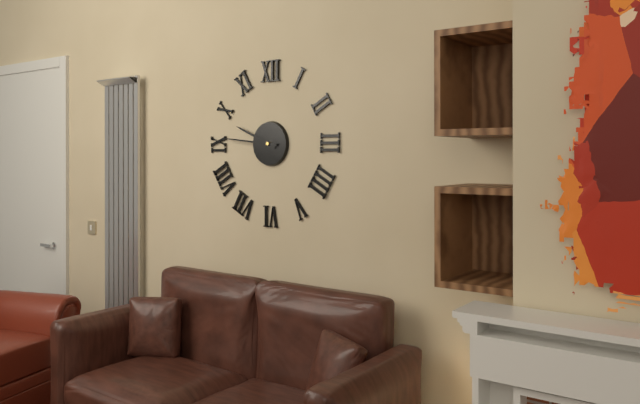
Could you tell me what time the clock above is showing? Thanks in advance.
9:46
